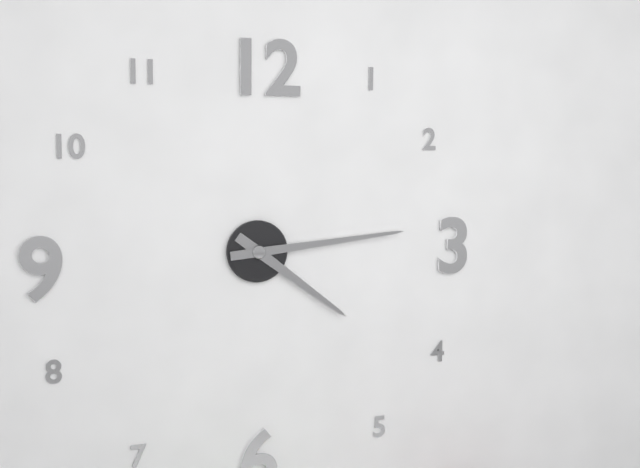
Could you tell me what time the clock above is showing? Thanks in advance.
4:14
